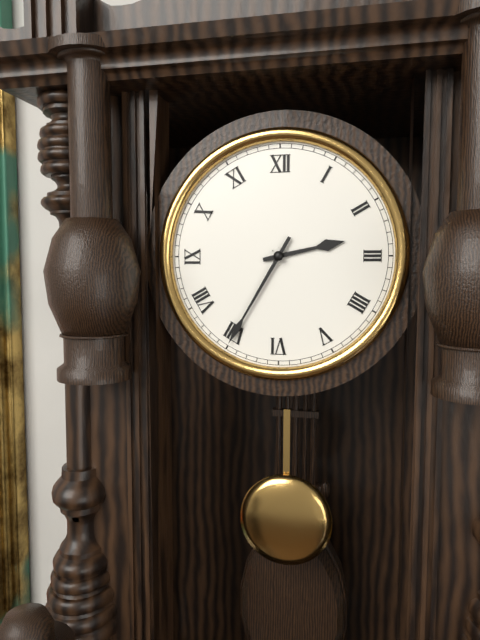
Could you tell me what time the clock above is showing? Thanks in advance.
2:35
